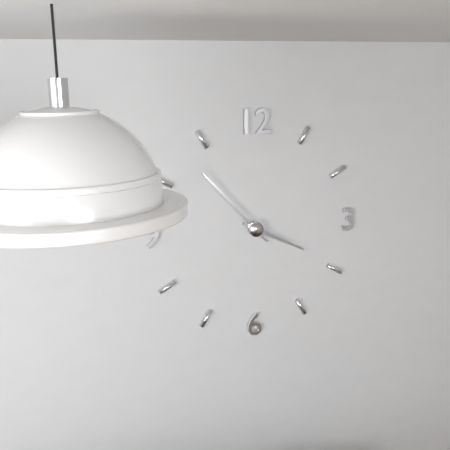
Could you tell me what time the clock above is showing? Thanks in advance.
3:53
